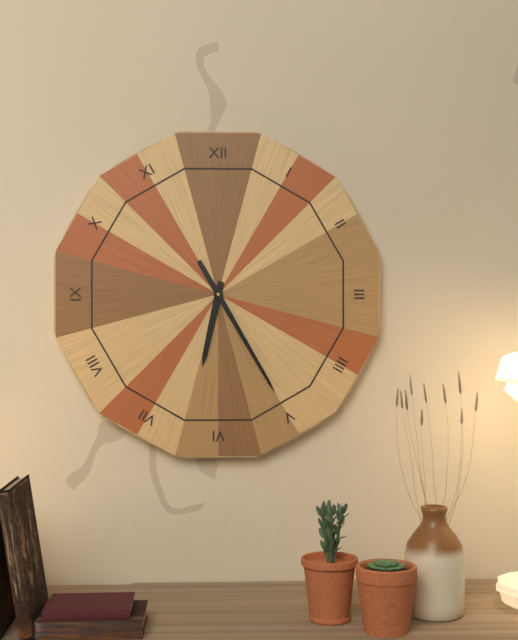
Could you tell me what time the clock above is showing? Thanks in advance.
6:25
